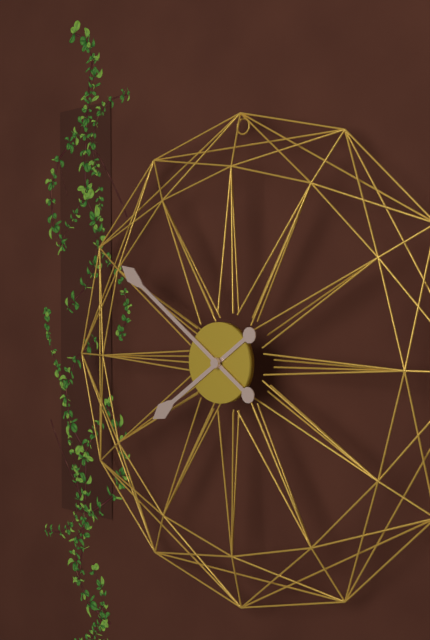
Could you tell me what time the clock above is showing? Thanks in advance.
7:51
